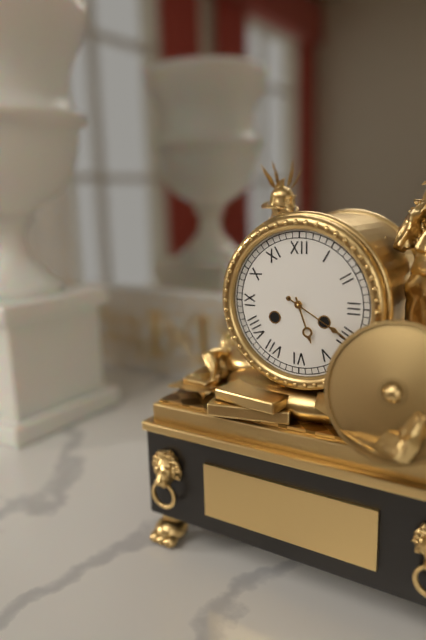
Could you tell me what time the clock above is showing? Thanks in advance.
5:20
